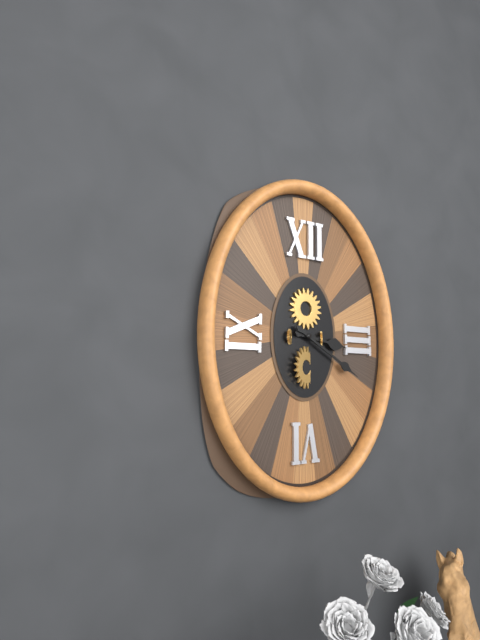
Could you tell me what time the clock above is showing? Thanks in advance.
3:20
